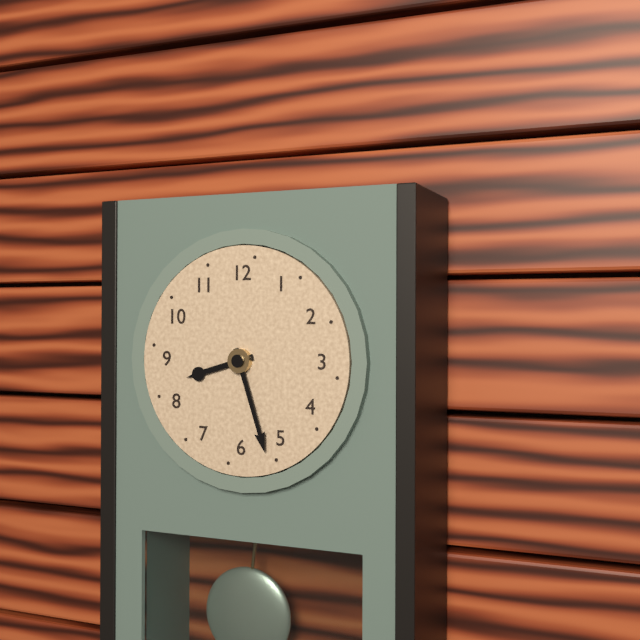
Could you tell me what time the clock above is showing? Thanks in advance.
8:27
